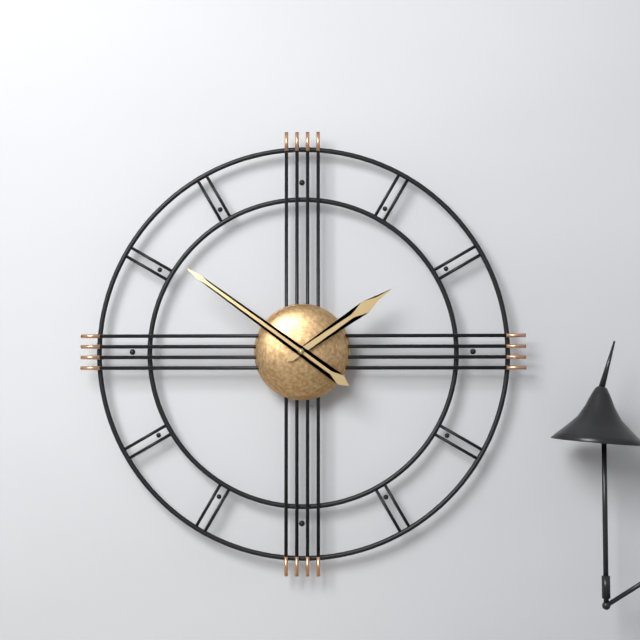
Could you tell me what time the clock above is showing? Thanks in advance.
1:51
